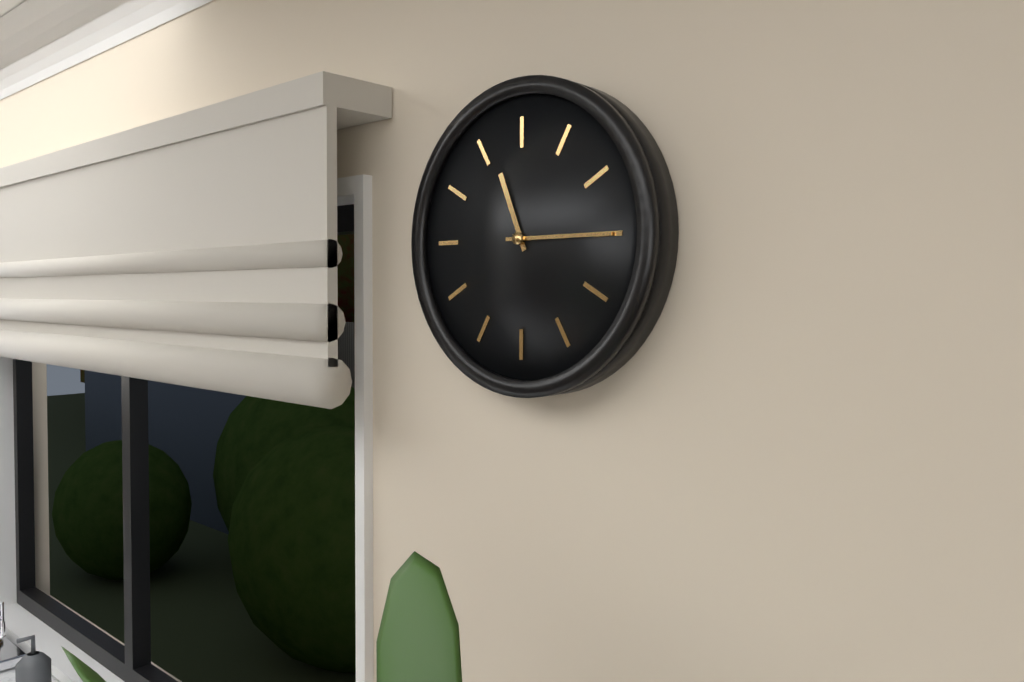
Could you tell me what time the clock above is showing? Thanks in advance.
11:15
